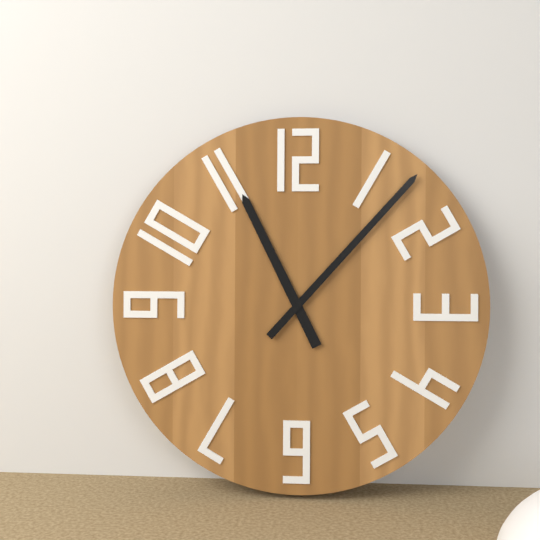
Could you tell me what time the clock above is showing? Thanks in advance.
11:07
